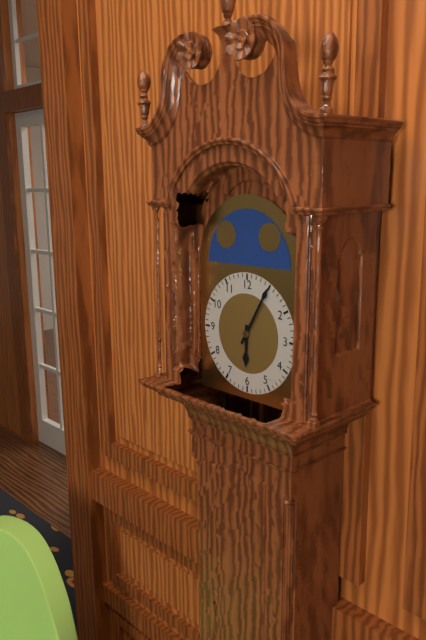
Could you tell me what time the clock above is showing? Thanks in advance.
6:05
